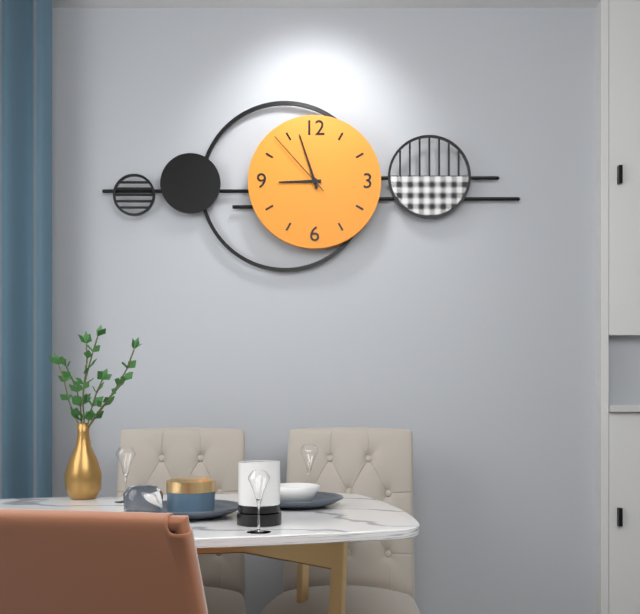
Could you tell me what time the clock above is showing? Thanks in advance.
8:57:53
